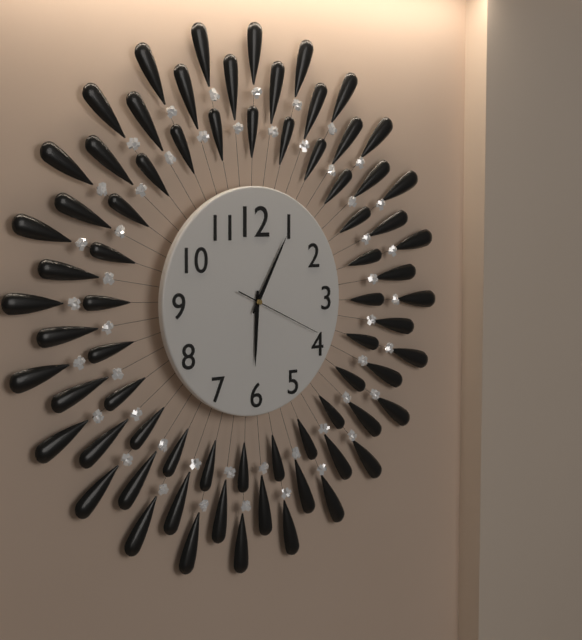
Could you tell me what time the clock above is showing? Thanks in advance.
6:05:19
